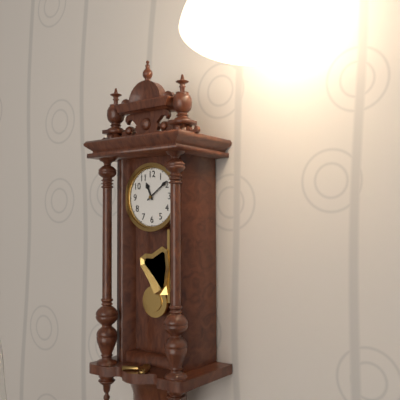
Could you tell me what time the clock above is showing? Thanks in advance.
11:09
